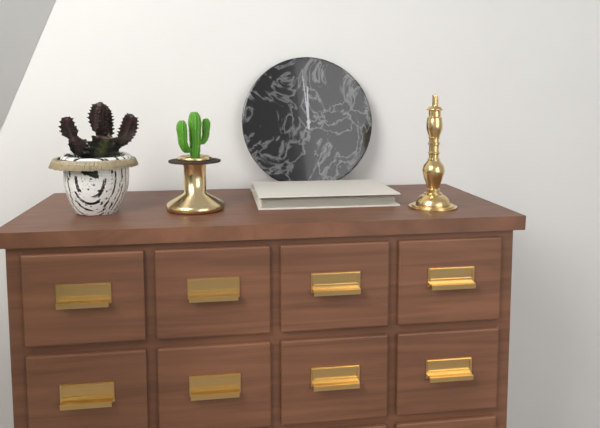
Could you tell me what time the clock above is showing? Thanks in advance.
11:59
